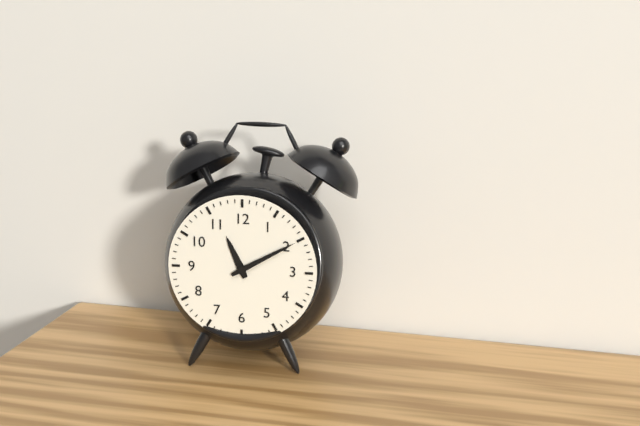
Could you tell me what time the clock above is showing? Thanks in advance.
11:10
